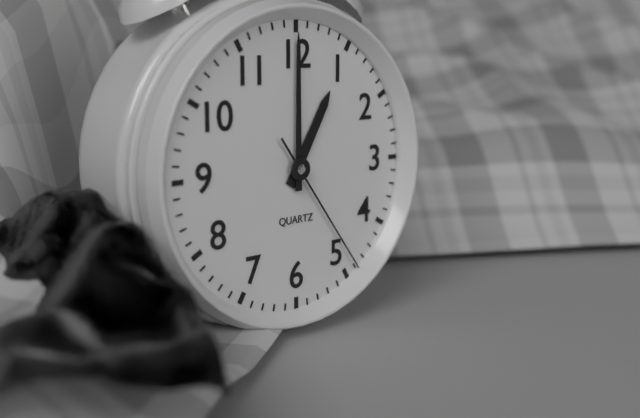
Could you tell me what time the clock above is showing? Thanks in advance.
1:00:24
